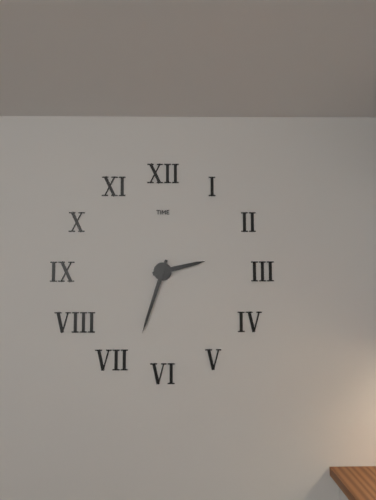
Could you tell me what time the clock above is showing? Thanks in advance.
2:33
